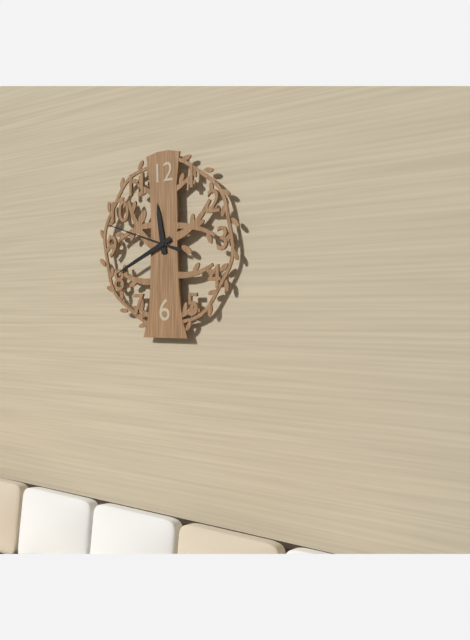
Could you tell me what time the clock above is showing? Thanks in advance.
11:41:48
